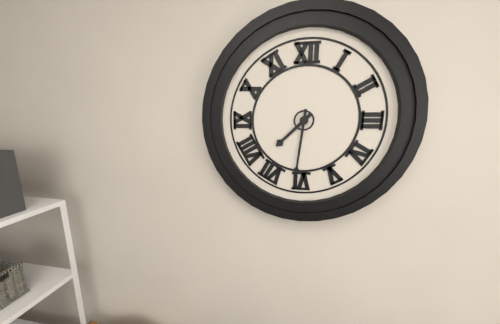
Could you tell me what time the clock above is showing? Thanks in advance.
7:31
